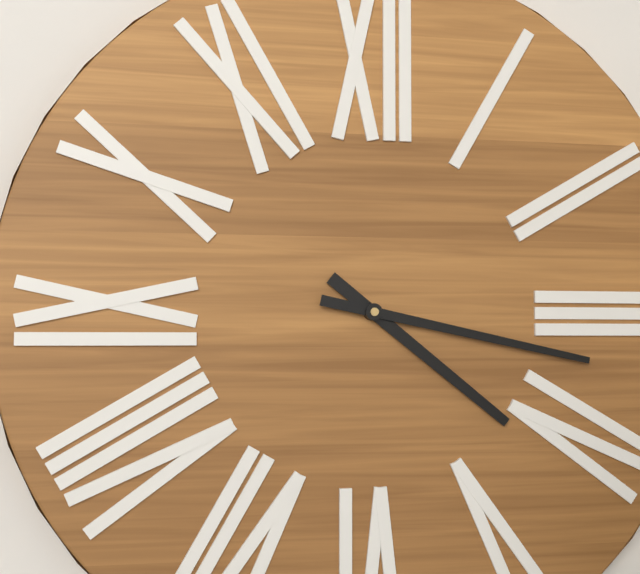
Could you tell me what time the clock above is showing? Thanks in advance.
4:17
